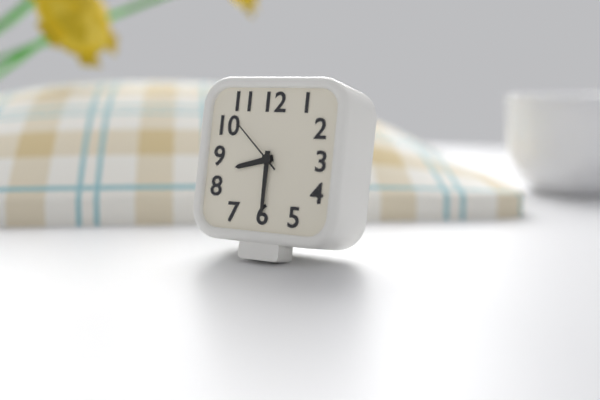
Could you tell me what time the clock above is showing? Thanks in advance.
8:30:52
